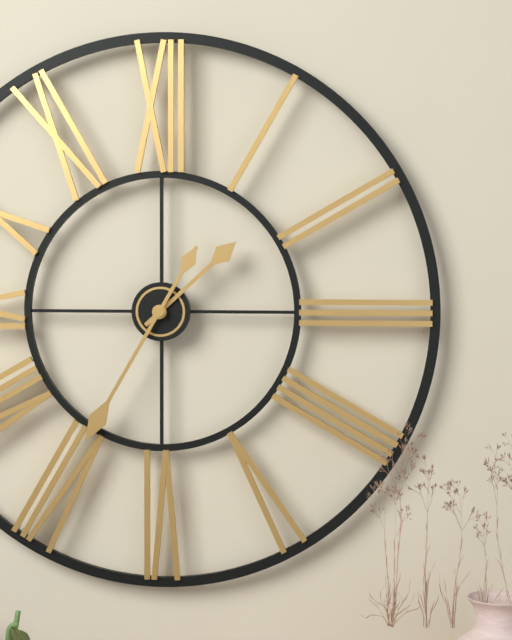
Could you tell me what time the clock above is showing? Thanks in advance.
1:35
